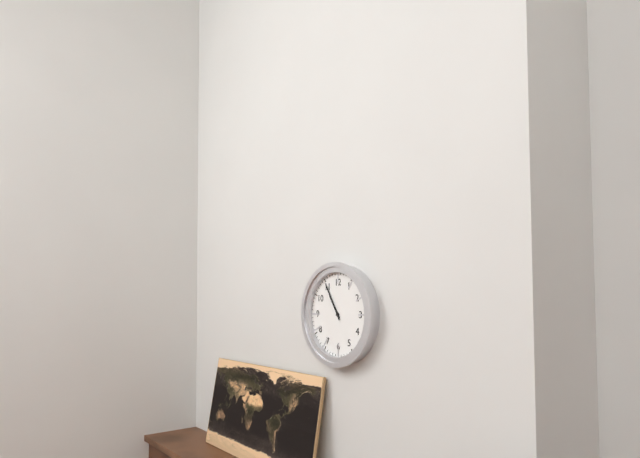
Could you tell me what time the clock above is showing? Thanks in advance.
10:55
